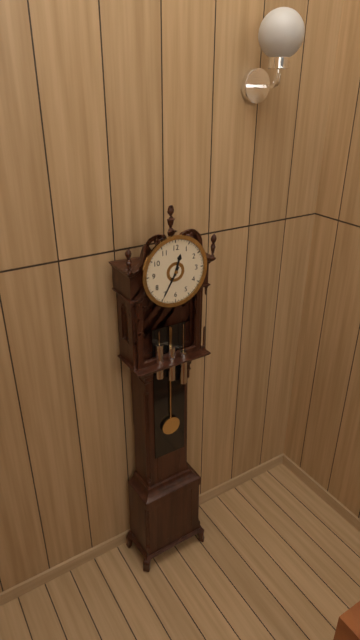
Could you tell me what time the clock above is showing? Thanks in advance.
12:35
